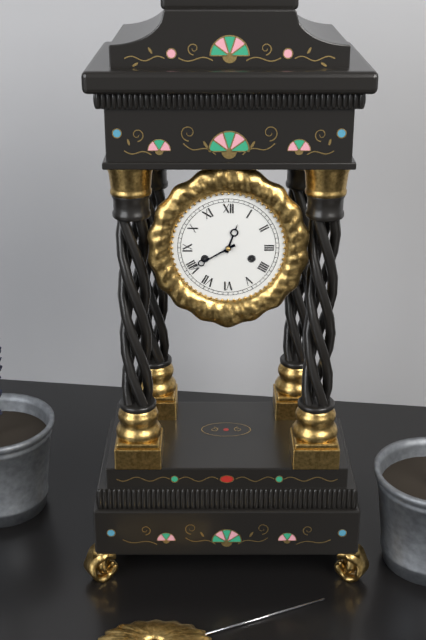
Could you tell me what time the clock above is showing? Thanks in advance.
12:40
